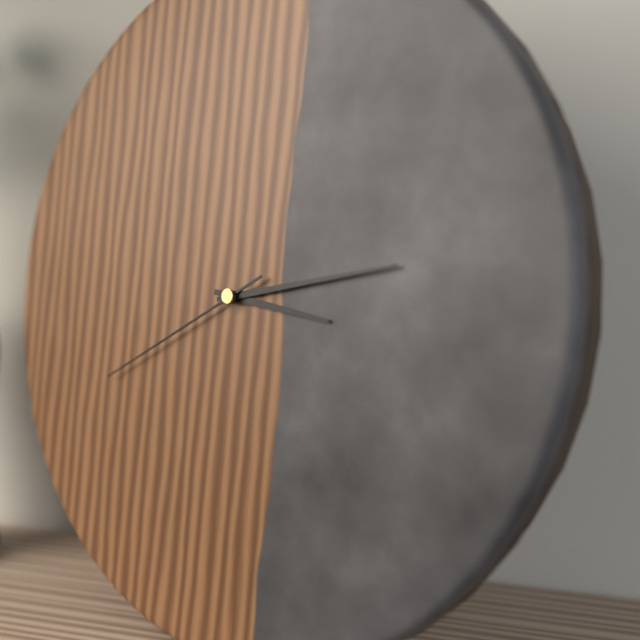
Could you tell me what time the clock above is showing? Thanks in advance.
3:13:40
